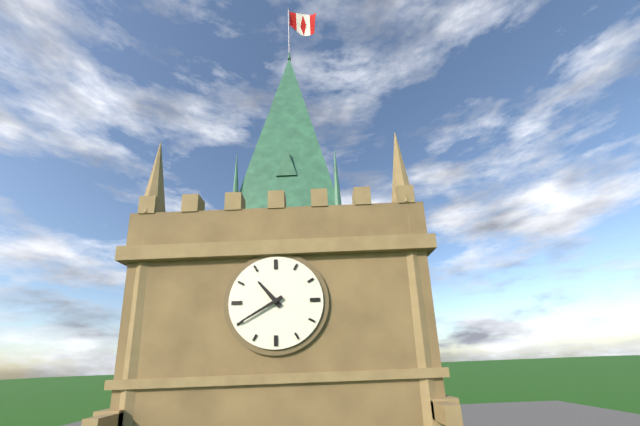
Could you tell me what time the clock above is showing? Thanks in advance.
10:40
